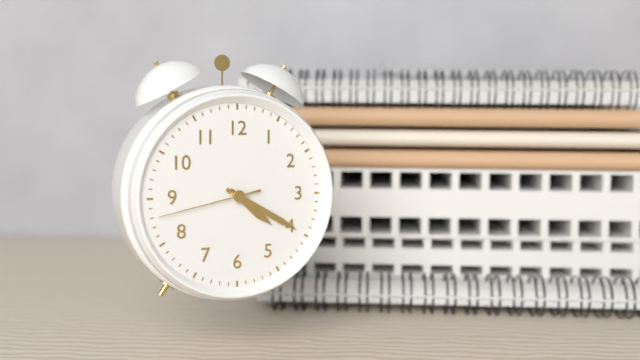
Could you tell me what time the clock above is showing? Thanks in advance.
4:20:43
